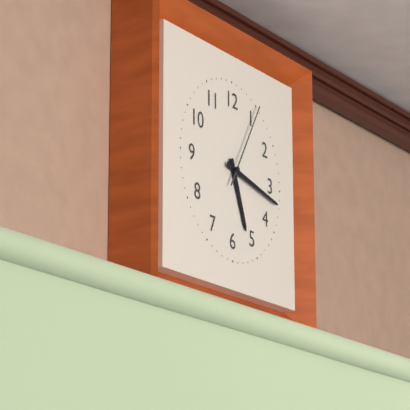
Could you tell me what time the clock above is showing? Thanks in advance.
5:17:05
